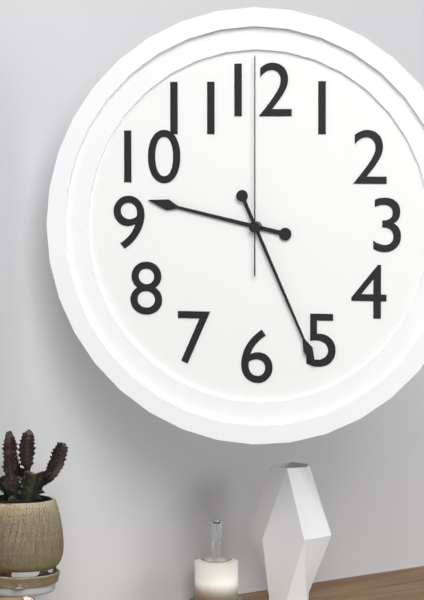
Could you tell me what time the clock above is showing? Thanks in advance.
9:26:00
